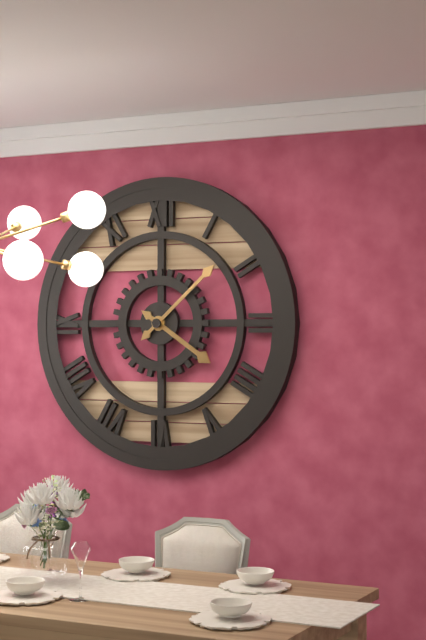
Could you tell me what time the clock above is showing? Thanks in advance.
4:08
